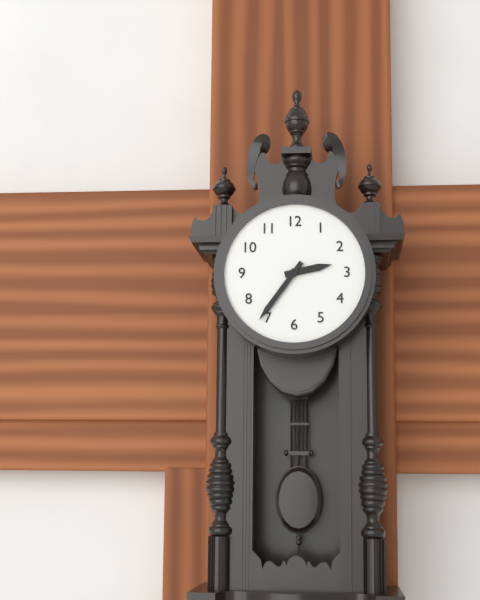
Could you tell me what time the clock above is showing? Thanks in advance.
2:36
